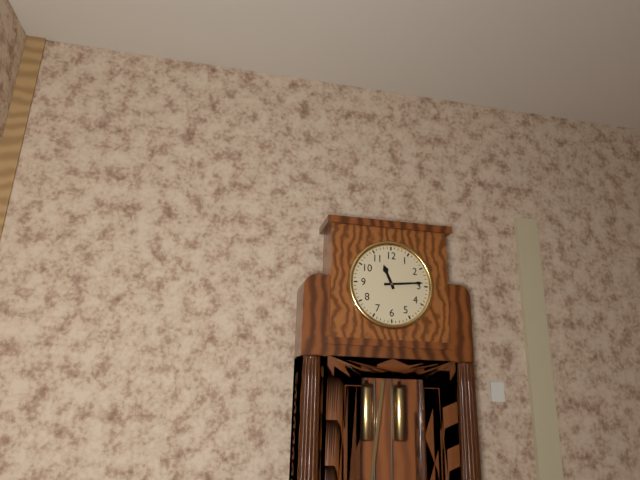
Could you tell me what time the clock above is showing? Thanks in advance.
11:14
